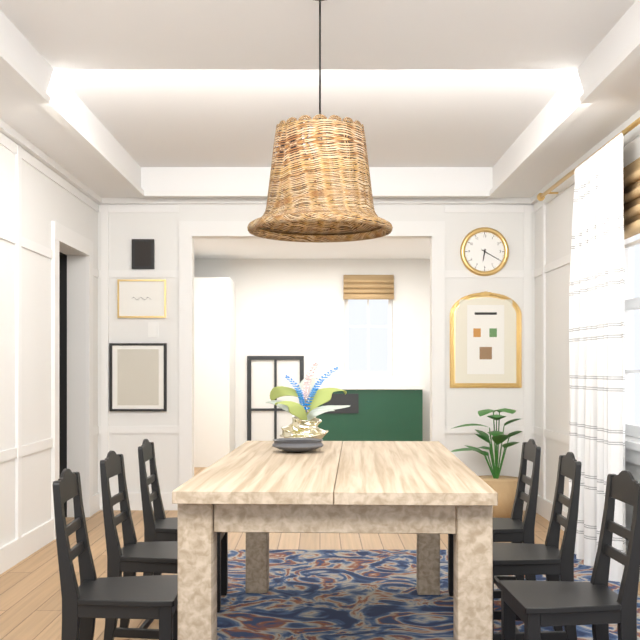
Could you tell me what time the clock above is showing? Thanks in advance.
6:20
